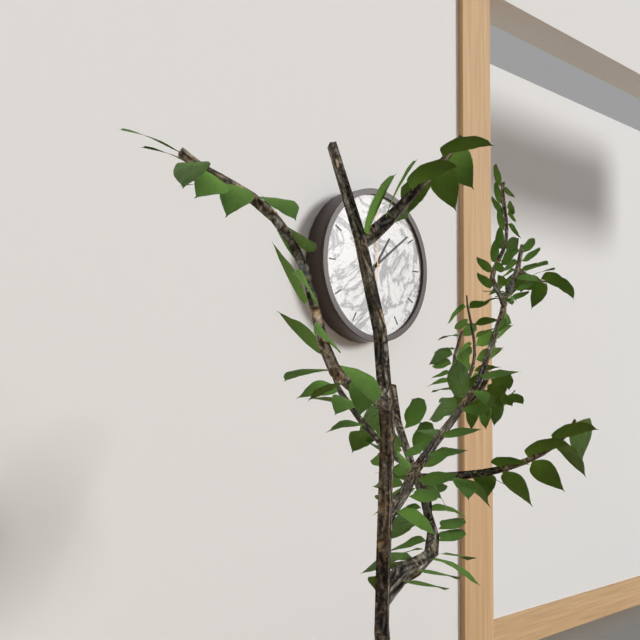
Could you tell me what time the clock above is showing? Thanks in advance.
1:09:00
